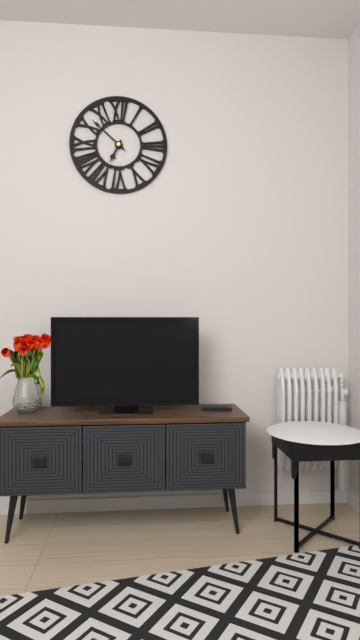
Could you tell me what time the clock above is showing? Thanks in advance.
6:52
